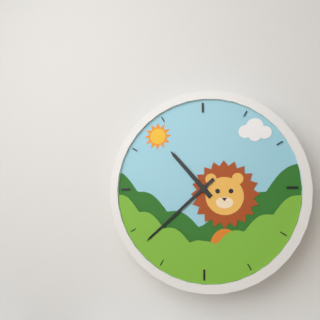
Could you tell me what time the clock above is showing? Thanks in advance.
10:38
